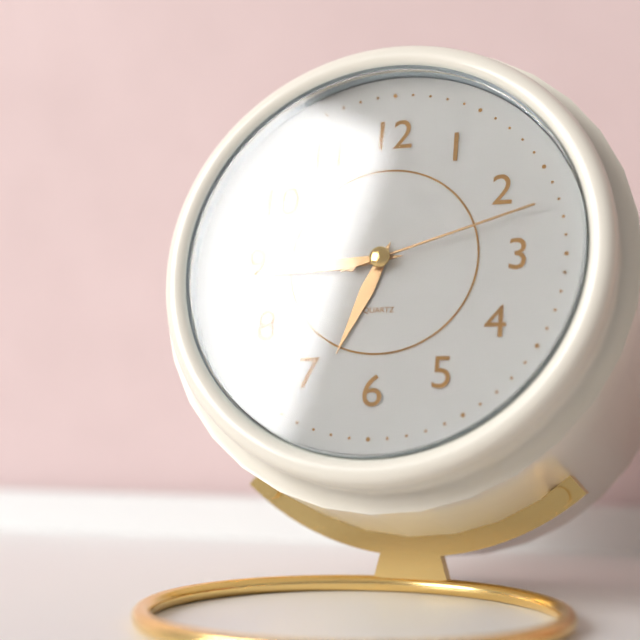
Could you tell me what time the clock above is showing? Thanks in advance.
6:44:12
